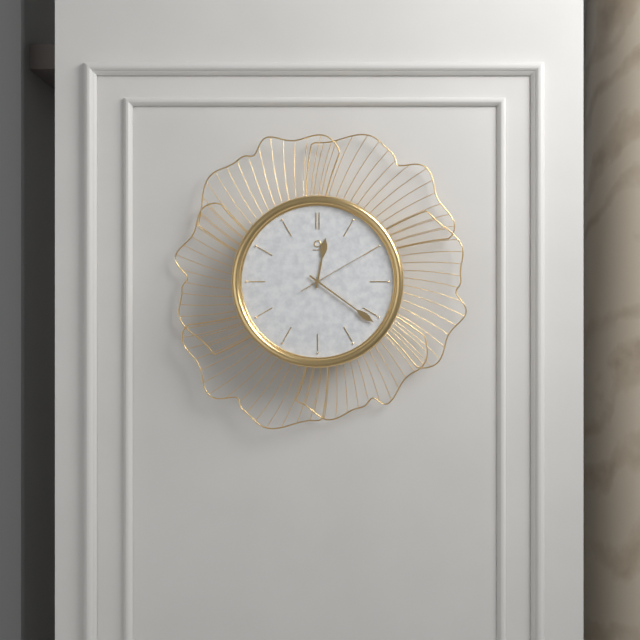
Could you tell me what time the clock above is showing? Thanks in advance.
12:21:10
